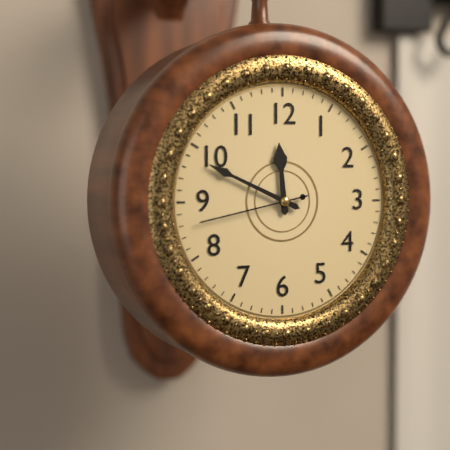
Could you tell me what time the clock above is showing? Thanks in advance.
11:49:43
